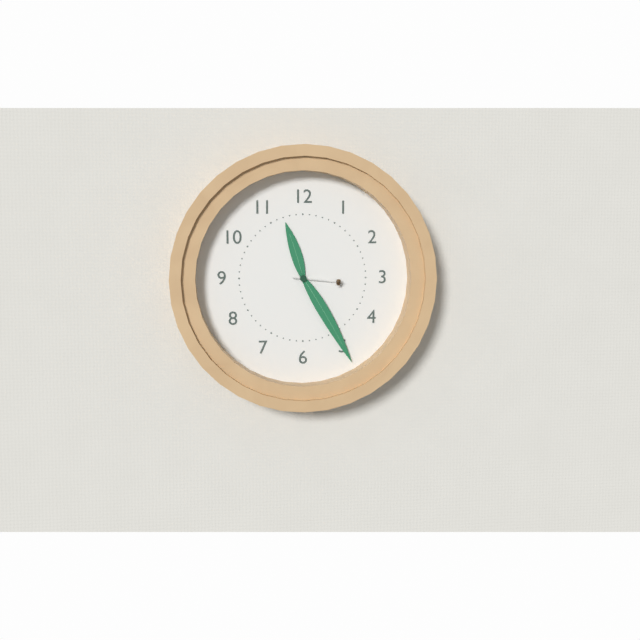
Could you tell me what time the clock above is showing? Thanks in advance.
11:25:16
